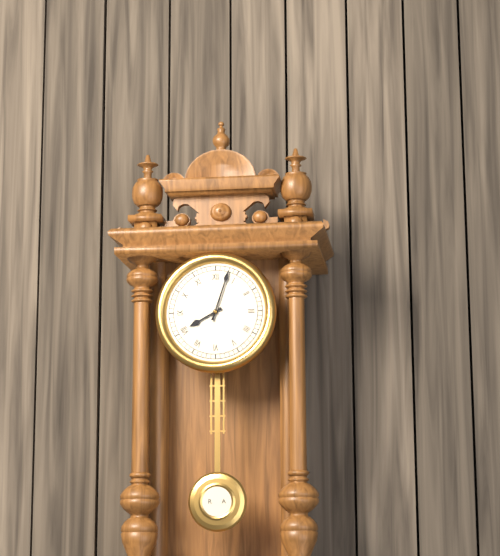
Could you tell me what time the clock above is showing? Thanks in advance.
8:03
